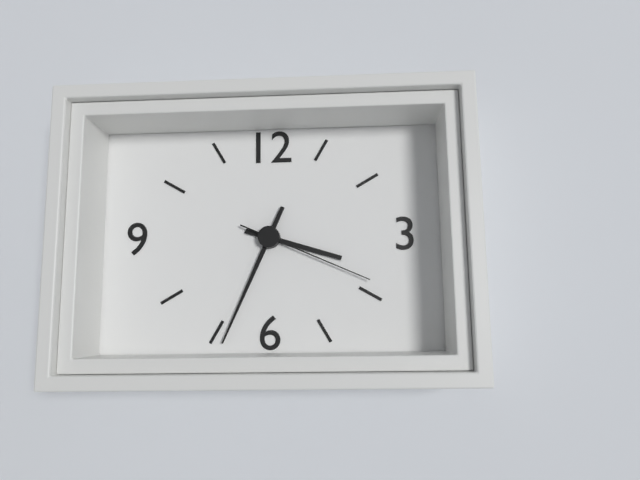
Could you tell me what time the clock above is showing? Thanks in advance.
3:34:19
